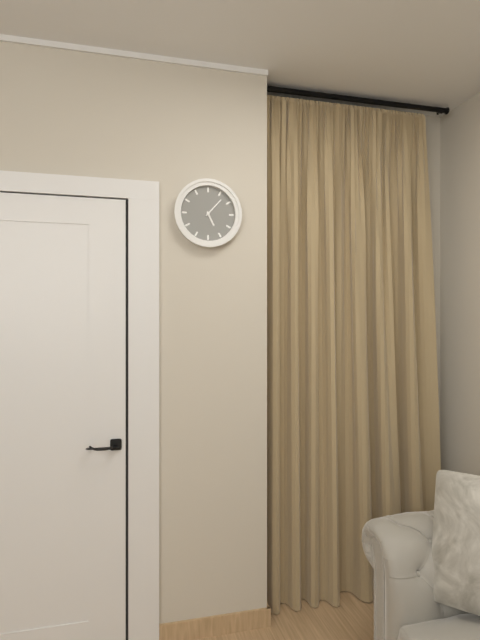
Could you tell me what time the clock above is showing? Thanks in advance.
5:07
